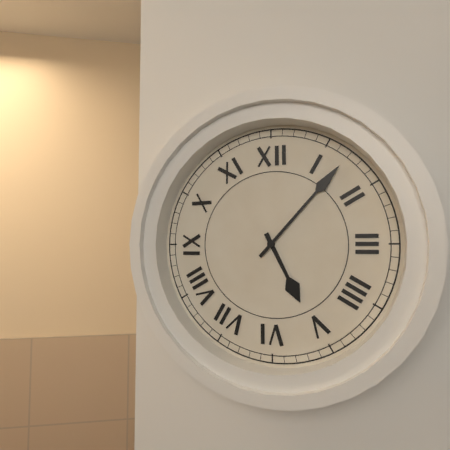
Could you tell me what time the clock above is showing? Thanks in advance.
5:07
